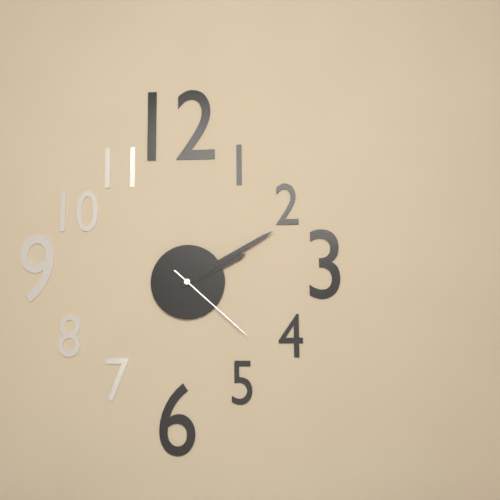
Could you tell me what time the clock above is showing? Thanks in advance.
2:10:22
